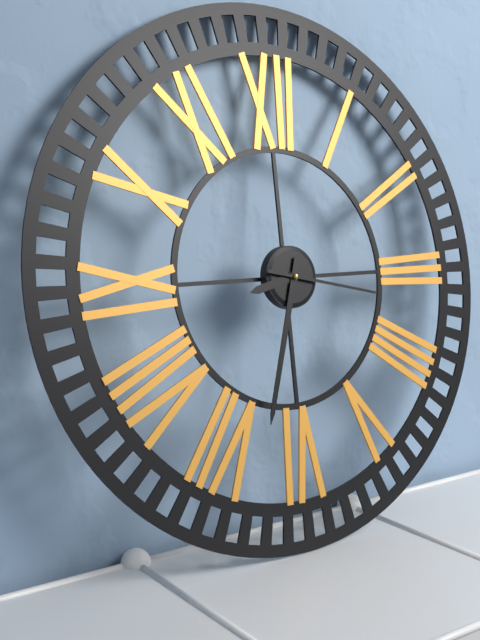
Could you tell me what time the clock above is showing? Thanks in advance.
8:33:17
